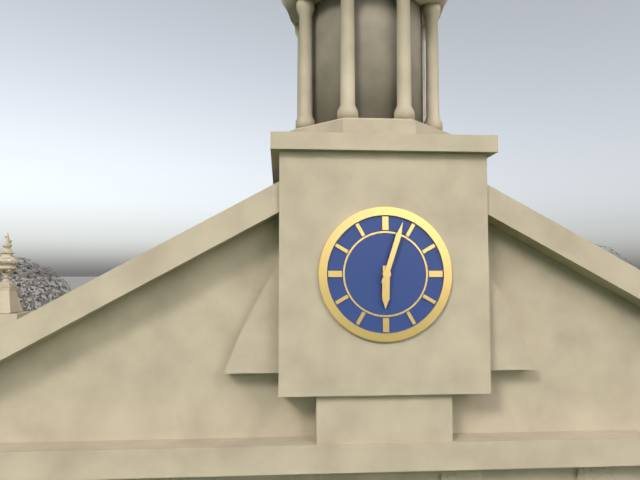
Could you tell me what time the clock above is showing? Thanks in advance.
6:03
